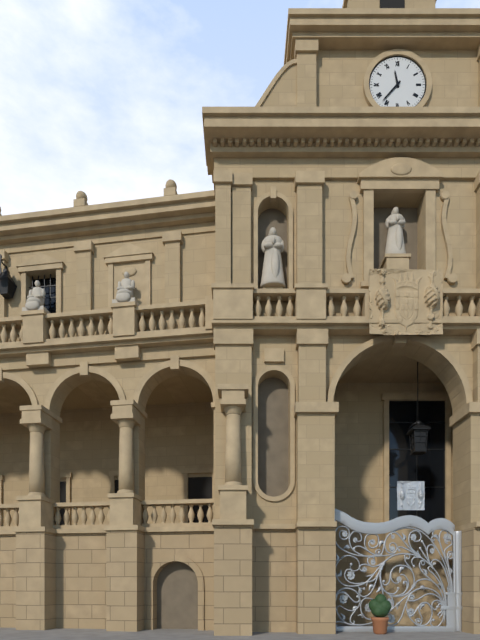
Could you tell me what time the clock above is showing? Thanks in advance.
11:37
